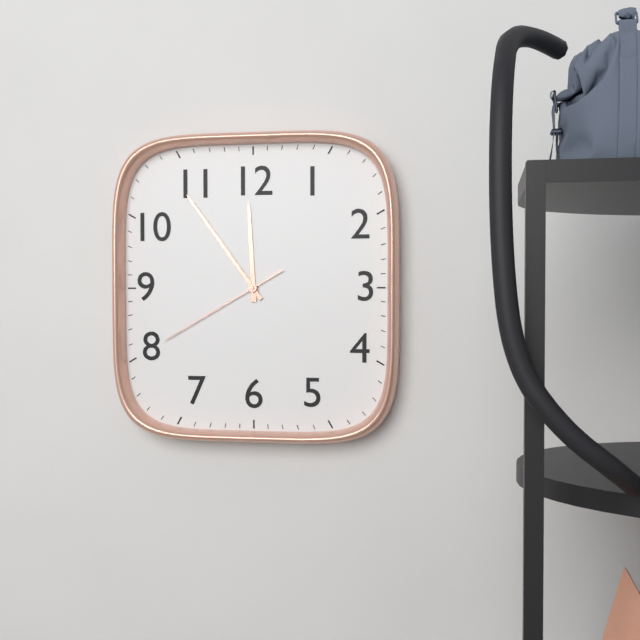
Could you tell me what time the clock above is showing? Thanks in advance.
11:54:40
